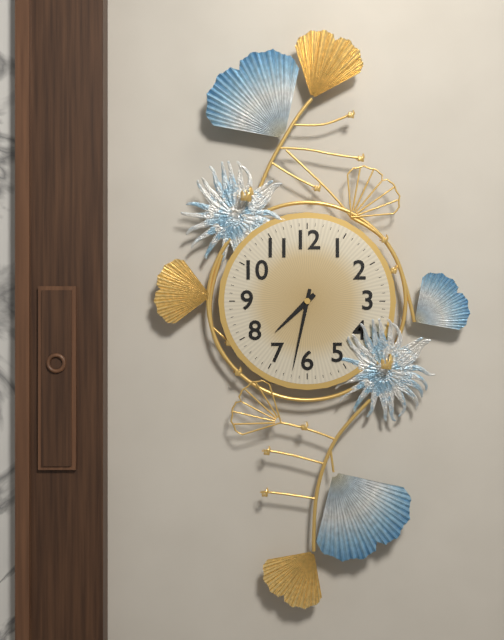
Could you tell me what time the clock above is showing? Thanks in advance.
7:32
